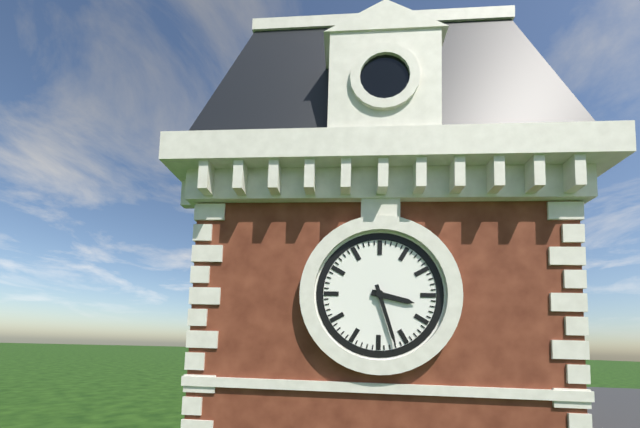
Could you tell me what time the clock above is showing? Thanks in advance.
3:27
